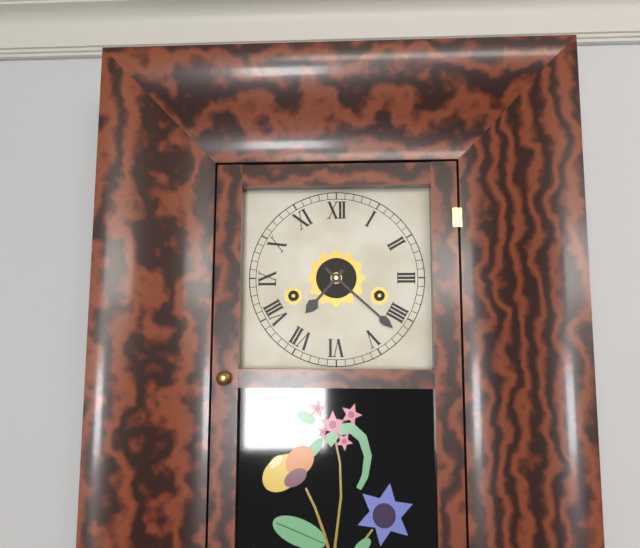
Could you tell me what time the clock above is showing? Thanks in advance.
7:22
